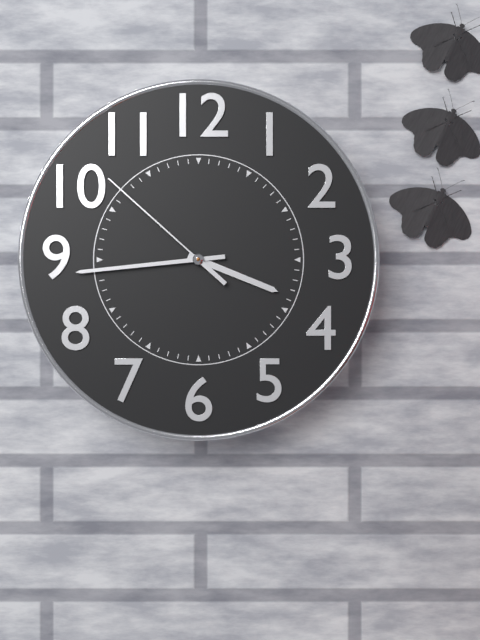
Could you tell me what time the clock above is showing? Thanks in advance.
3:44:52
